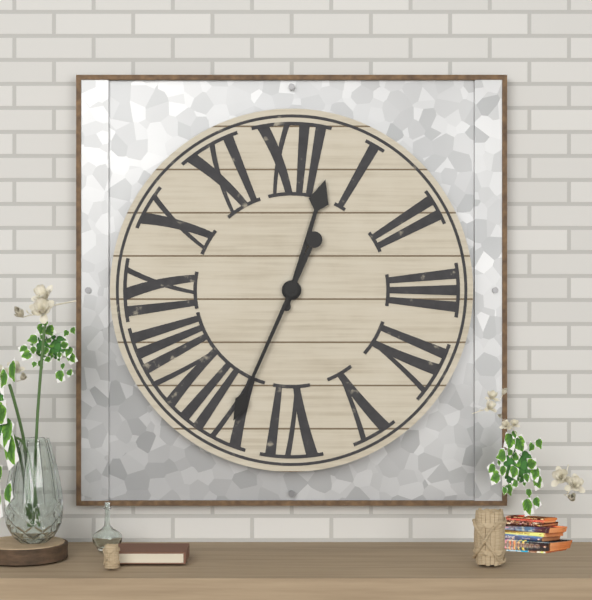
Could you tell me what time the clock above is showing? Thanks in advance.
12:34
